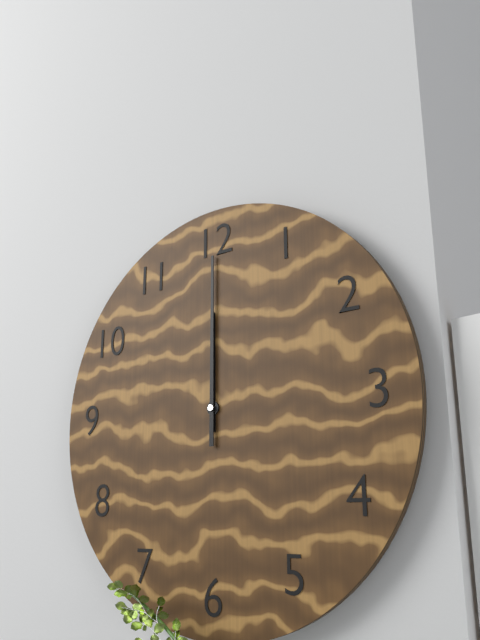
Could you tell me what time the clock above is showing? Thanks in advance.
12:00
